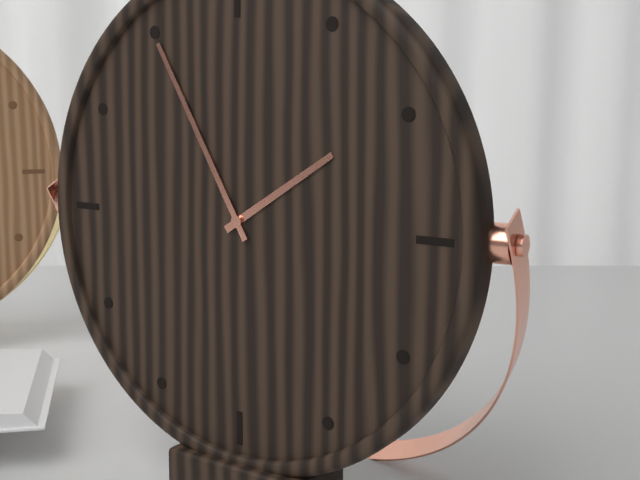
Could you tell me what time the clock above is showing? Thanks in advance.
1:55
